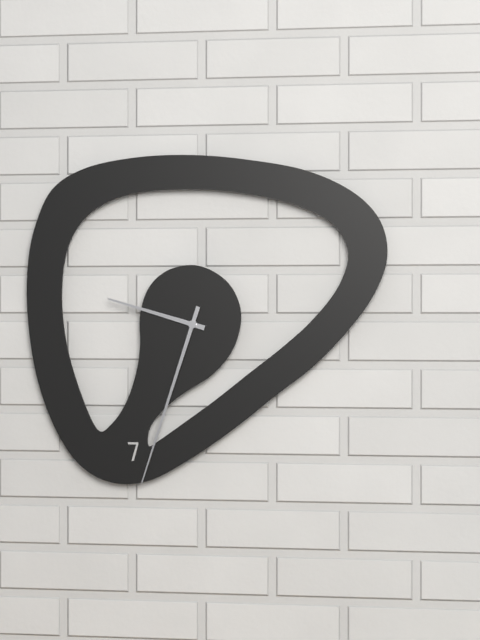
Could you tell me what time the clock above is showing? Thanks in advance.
9:33
